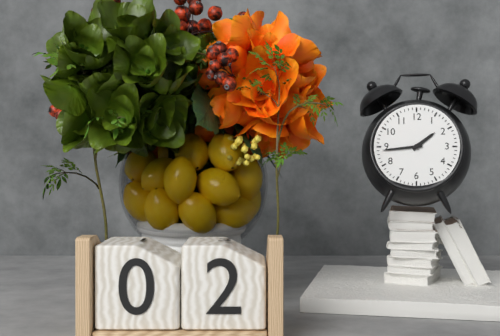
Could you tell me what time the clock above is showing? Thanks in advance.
1:44
